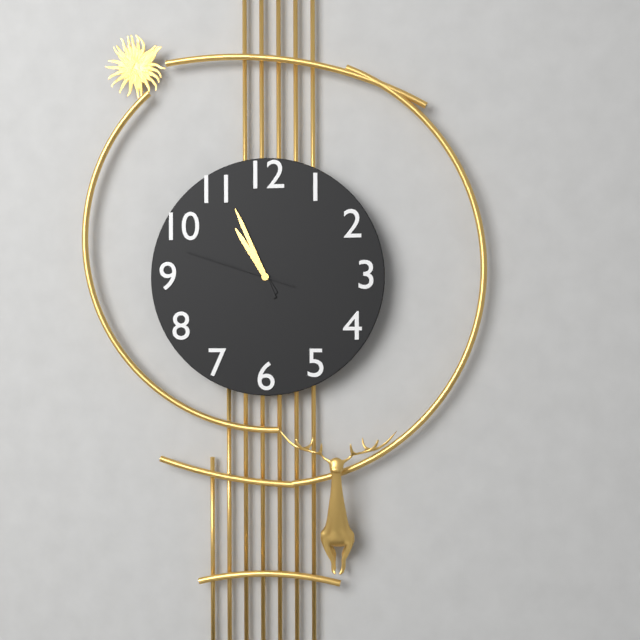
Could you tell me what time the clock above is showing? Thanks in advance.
10:56:48
